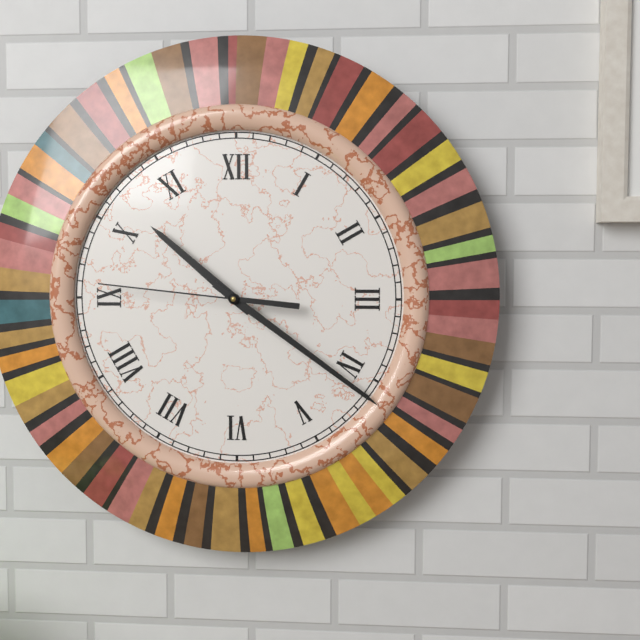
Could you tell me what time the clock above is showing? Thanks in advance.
10:21:46
